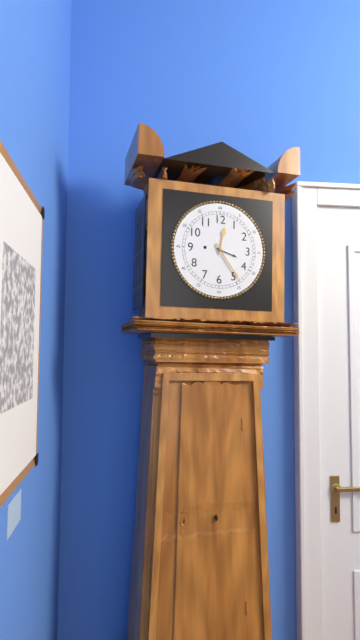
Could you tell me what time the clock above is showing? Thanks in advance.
12:24
